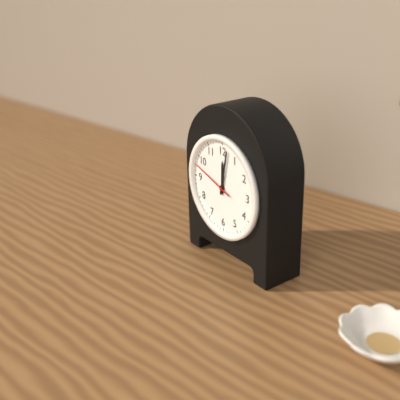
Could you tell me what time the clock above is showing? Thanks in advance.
12:02:48
